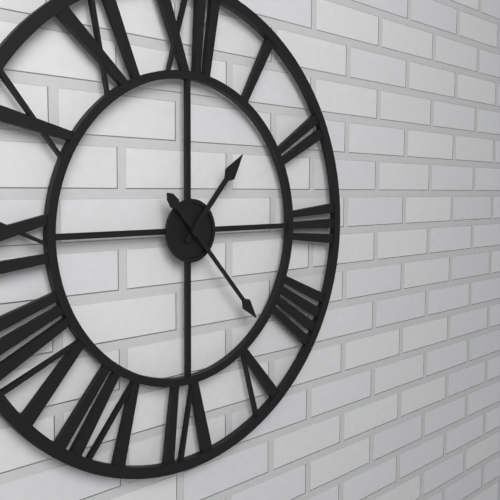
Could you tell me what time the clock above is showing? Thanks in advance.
1:23
